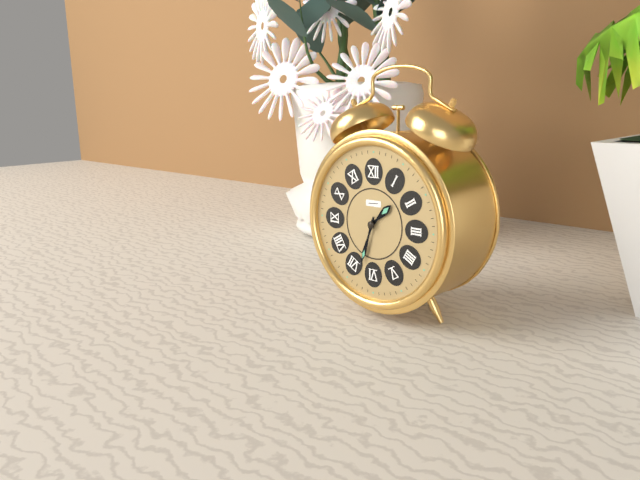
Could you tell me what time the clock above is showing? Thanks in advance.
1:33
